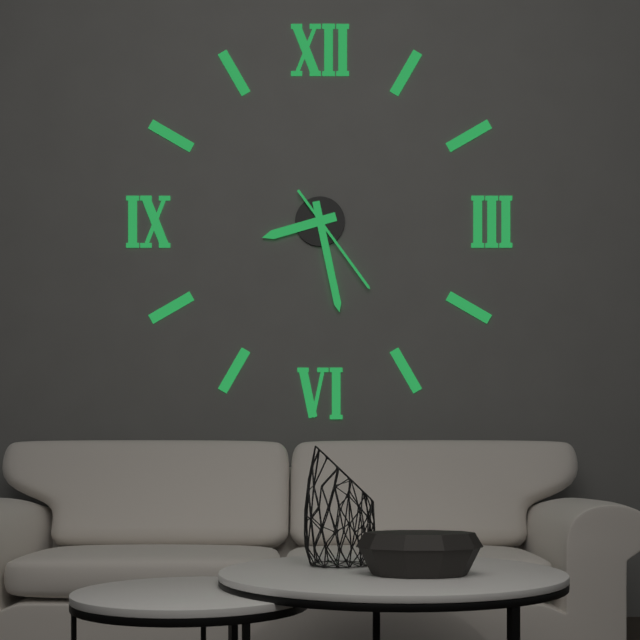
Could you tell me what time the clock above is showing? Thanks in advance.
8:28:24
